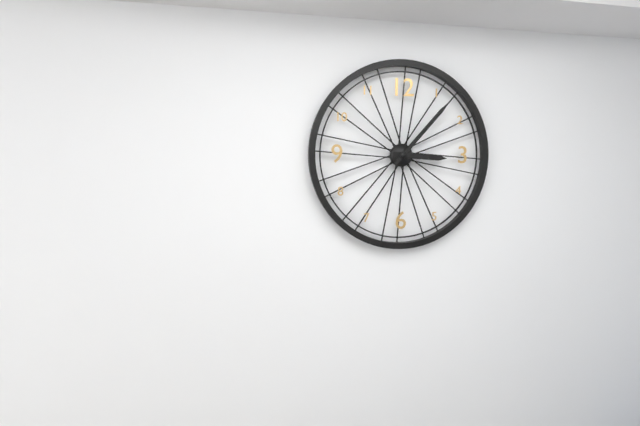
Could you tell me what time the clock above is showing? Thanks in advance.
3:07
